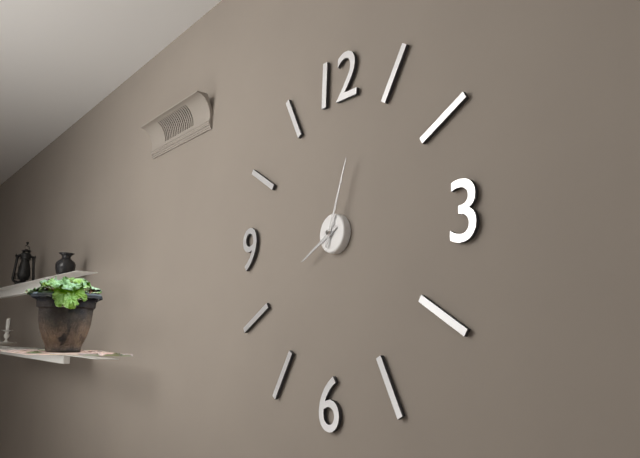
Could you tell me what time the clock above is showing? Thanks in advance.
8:03
